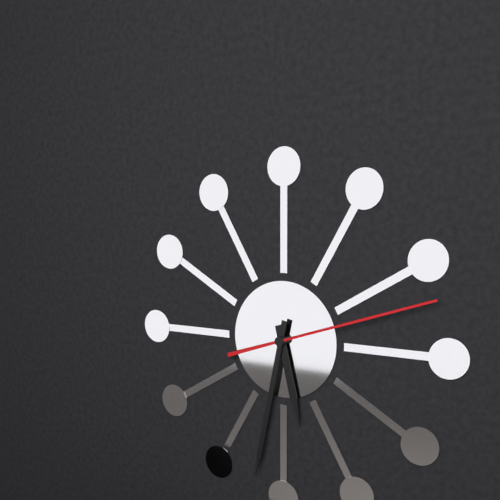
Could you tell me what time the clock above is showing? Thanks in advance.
5:32:12
